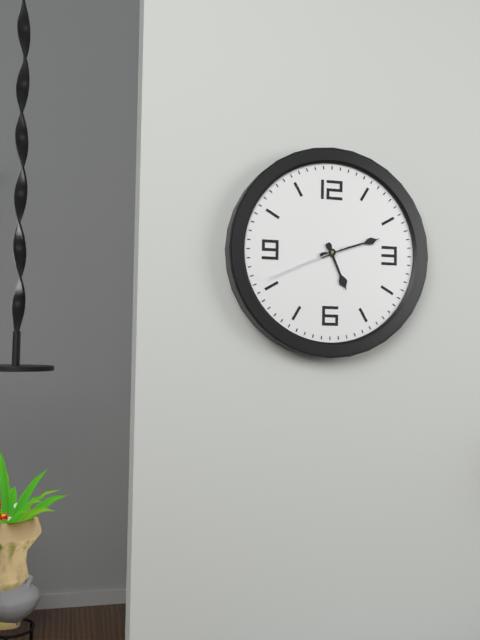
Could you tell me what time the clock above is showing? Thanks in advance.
5:12:41
